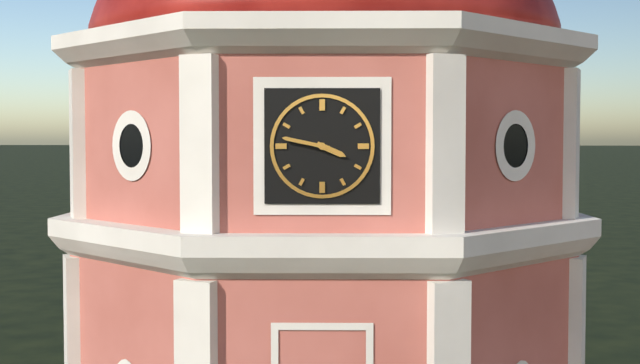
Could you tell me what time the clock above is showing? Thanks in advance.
3:47
